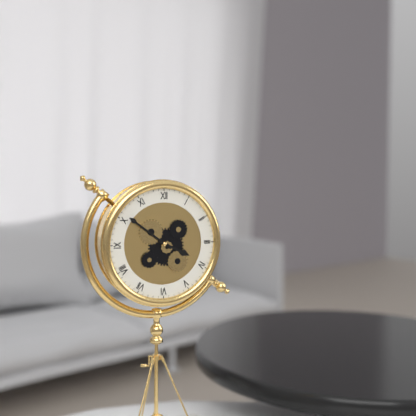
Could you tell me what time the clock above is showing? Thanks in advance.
3:51
